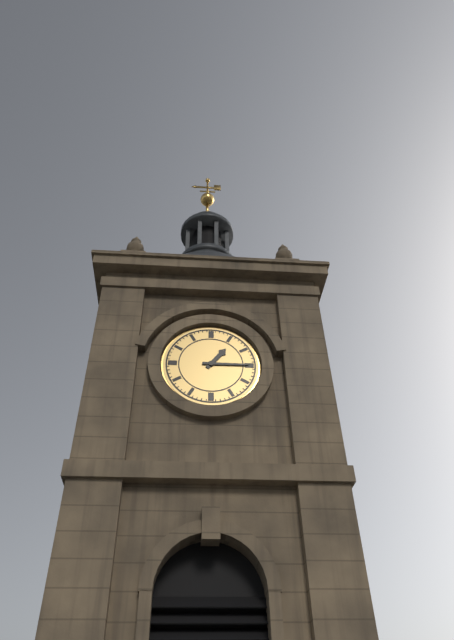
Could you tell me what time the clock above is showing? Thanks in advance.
1:15
